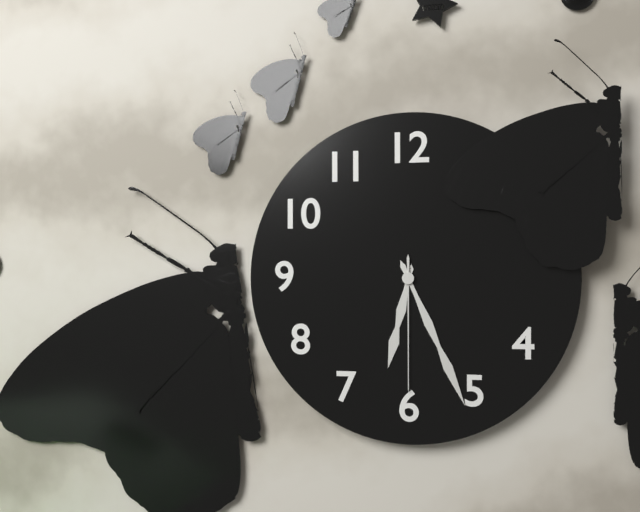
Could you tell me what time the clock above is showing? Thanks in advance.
6:26:30
